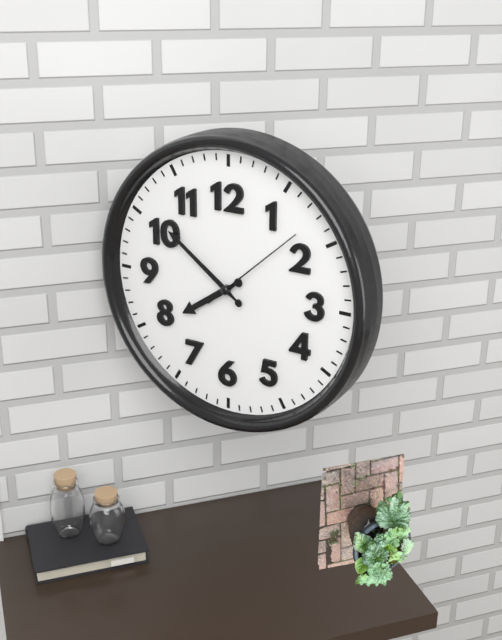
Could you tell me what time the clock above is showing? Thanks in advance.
7:51:08
